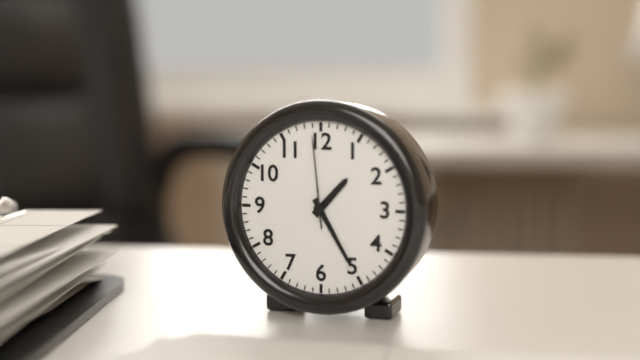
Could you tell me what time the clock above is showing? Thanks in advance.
1:25:59
